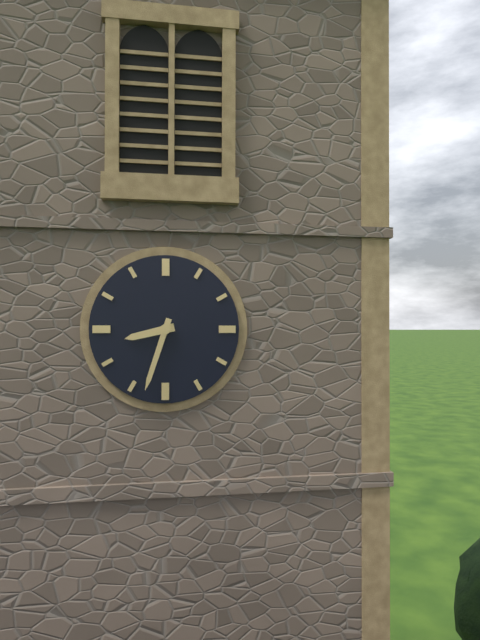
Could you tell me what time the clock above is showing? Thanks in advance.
8:33
